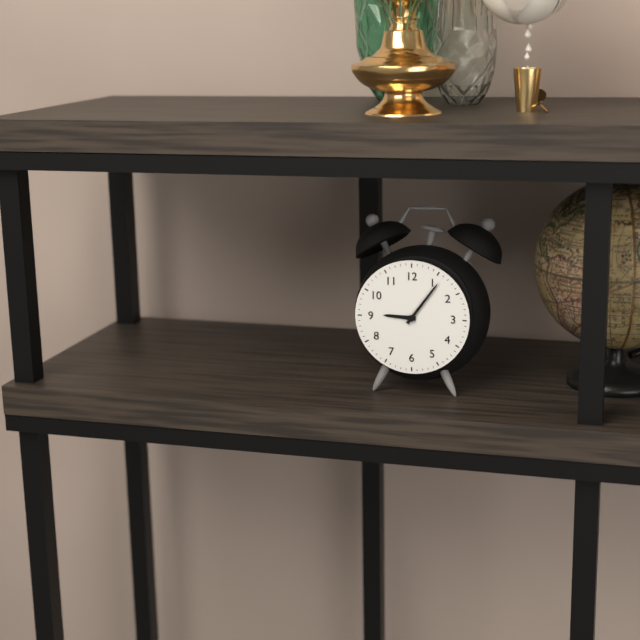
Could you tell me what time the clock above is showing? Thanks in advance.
9:06
